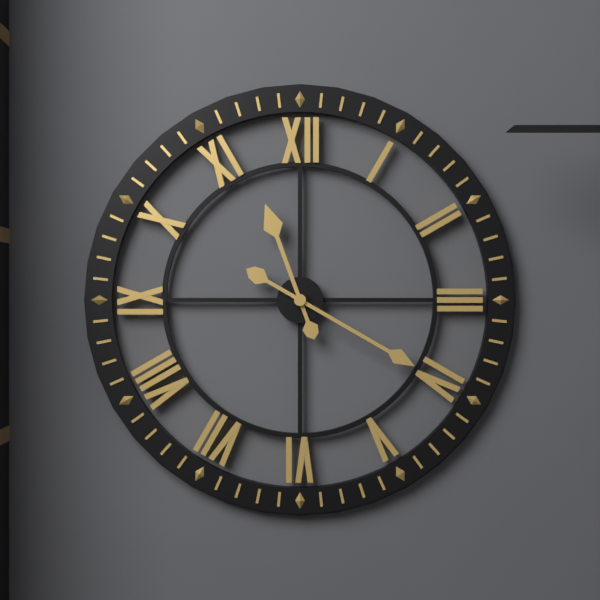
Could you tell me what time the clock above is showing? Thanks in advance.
11:20
